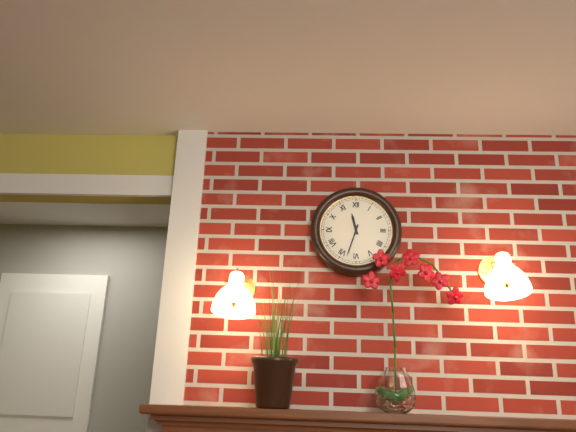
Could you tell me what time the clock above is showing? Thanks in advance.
11:33
